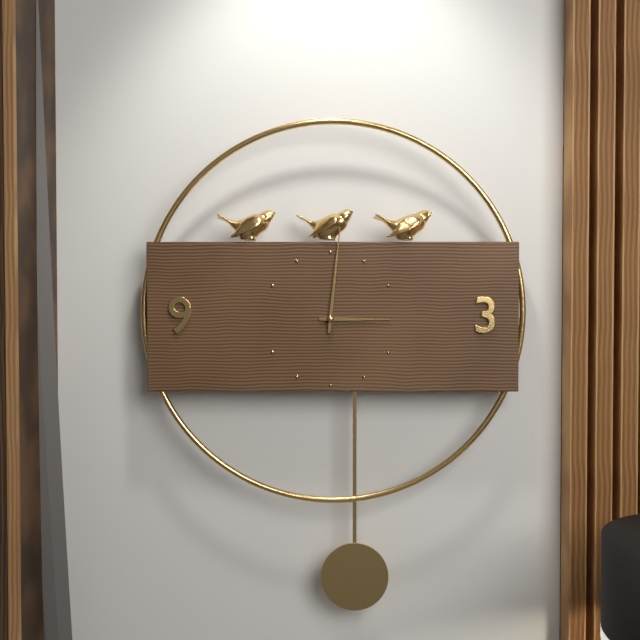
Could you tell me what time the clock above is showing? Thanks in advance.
3:01
